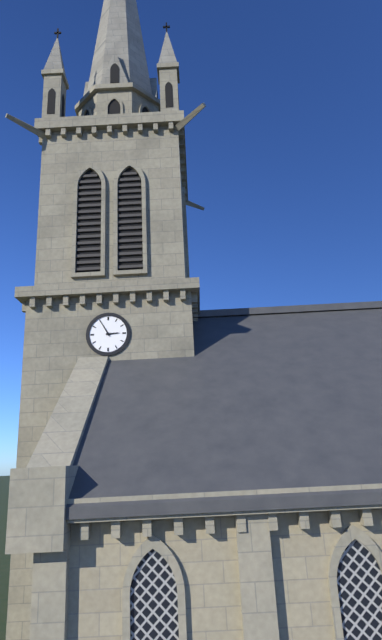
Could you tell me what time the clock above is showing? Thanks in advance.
2:55
